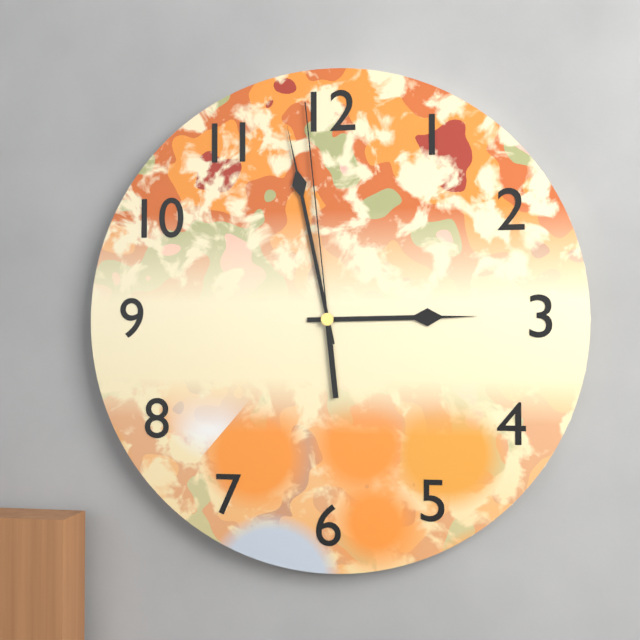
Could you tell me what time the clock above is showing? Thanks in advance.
2:58:59
